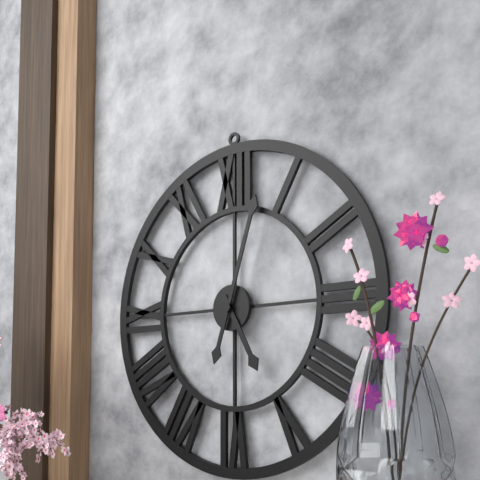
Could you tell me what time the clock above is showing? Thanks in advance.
5:03
